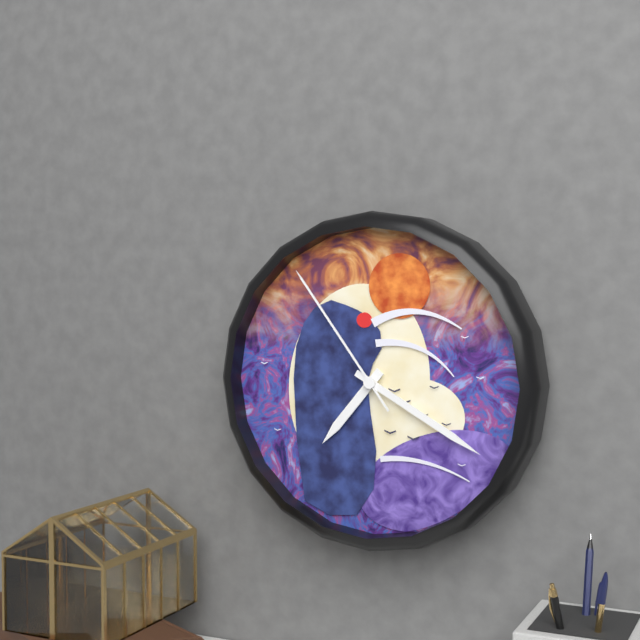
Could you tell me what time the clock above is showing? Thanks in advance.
7:20:54
